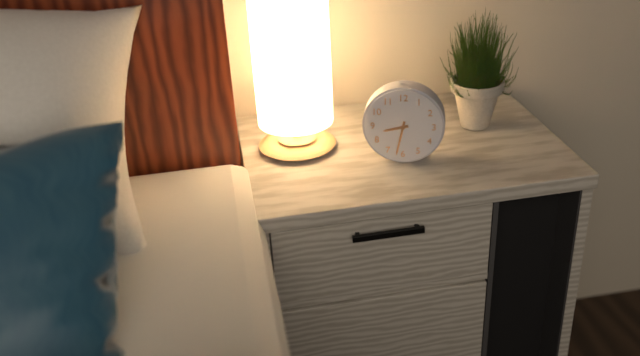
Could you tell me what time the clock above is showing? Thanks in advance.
8:32
